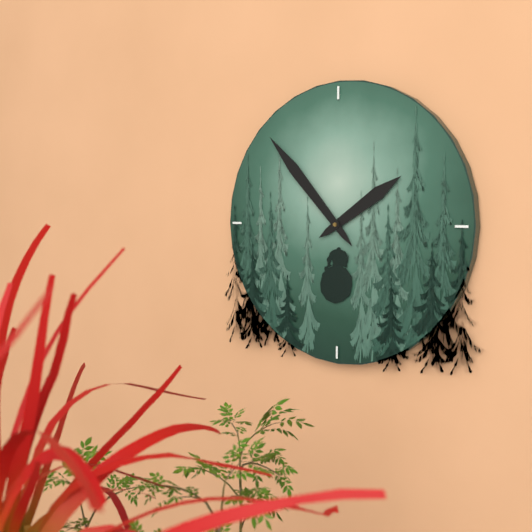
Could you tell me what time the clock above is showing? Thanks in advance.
1:53
